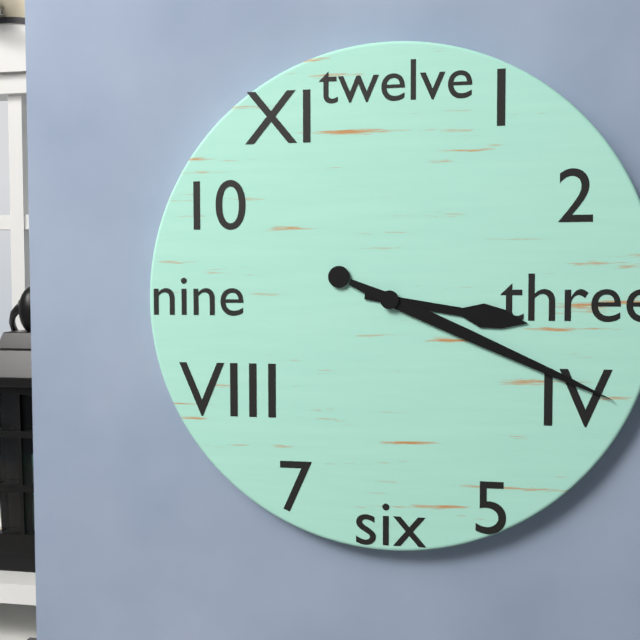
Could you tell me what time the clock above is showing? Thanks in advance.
3:19
